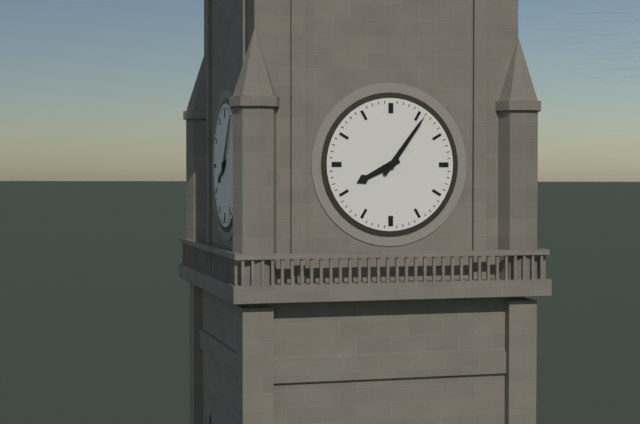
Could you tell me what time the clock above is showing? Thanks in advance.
8:06
